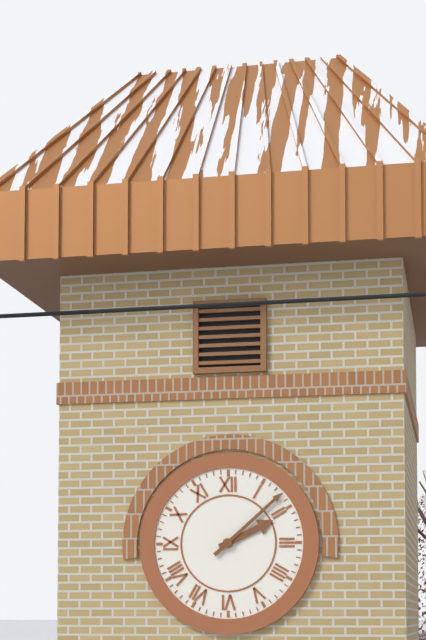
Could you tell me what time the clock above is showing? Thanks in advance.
2:08
